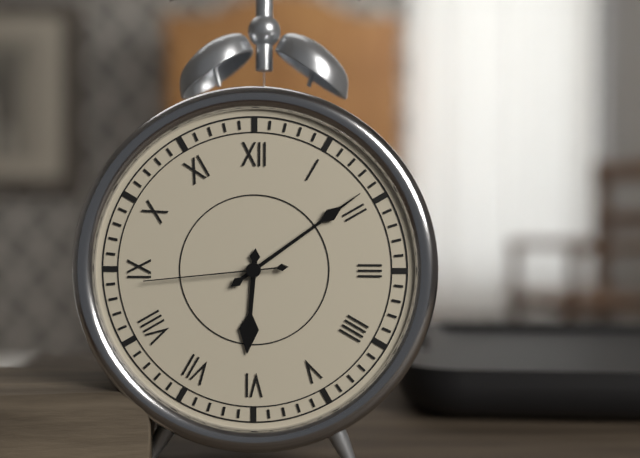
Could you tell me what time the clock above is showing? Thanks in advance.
6:09:44
